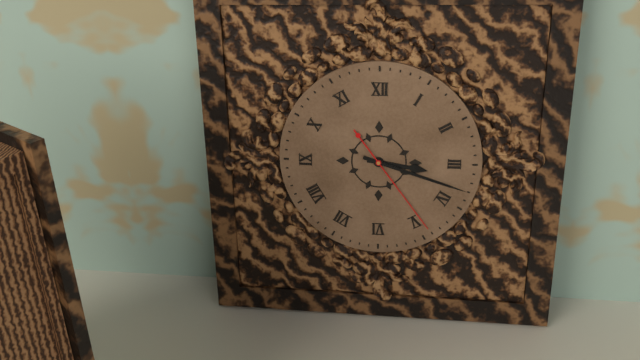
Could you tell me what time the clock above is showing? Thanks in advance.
3:18:24
